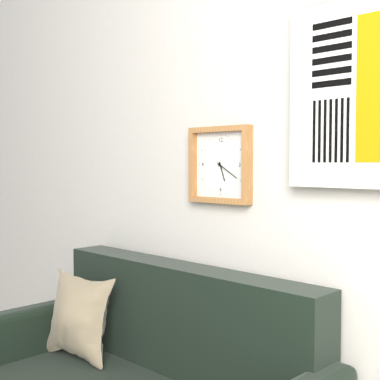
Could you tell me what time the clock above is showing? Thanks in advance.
5:20
